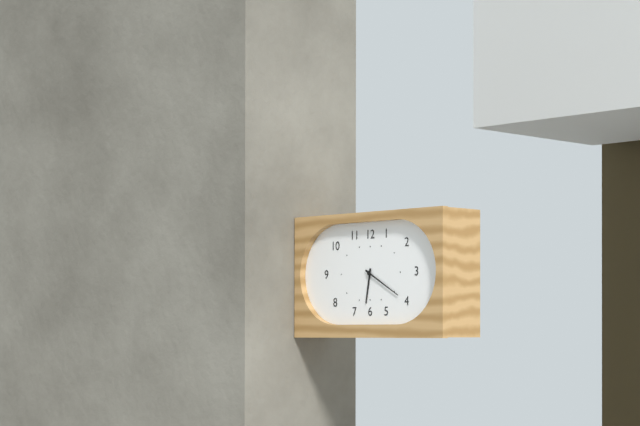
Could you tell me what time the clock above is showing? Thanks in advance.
6:20
